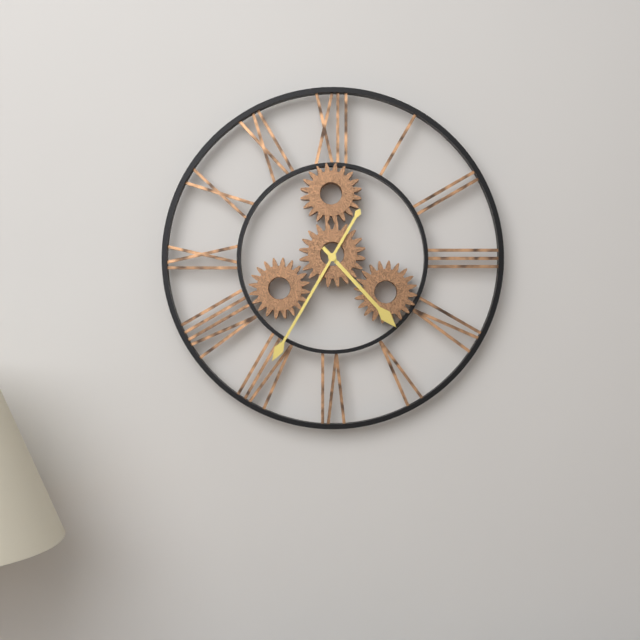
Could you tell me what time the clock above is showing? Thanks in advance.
4:35
